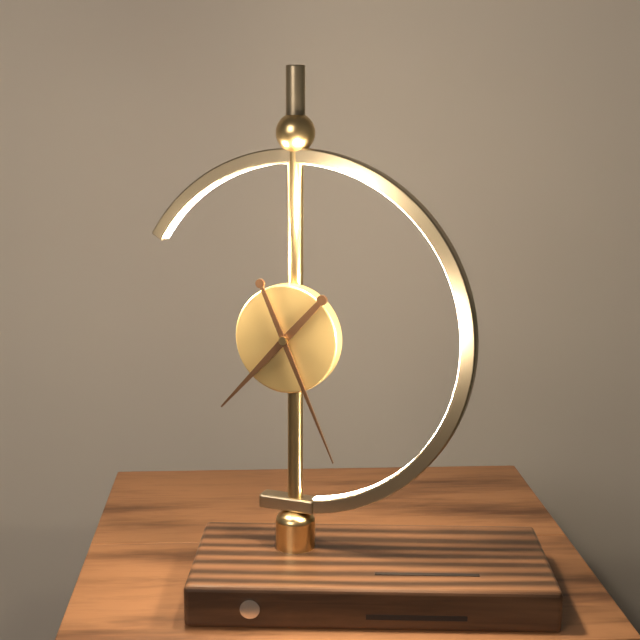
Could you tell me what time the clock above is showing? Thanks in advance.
7:26
